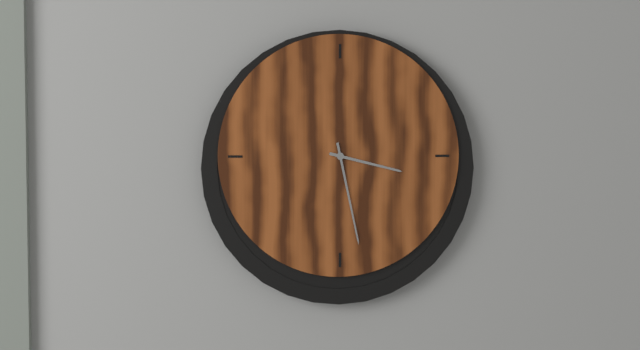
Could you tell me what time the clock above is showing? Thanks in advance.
3:28
